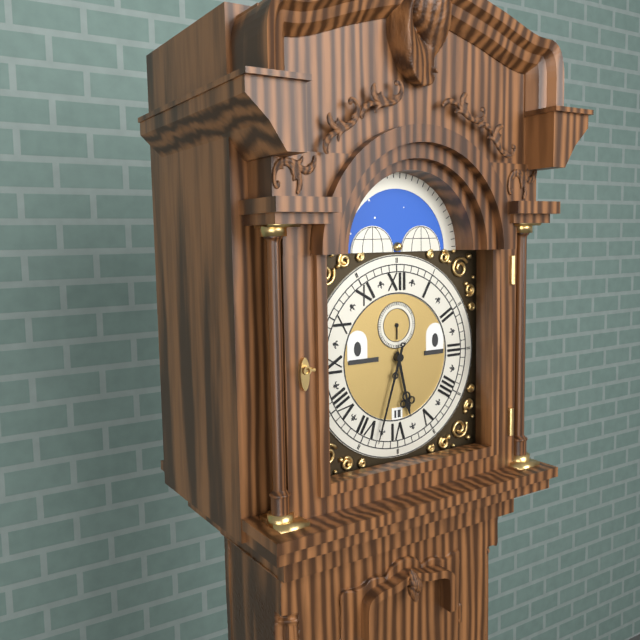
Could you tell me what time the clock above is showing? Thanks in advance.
5:33
